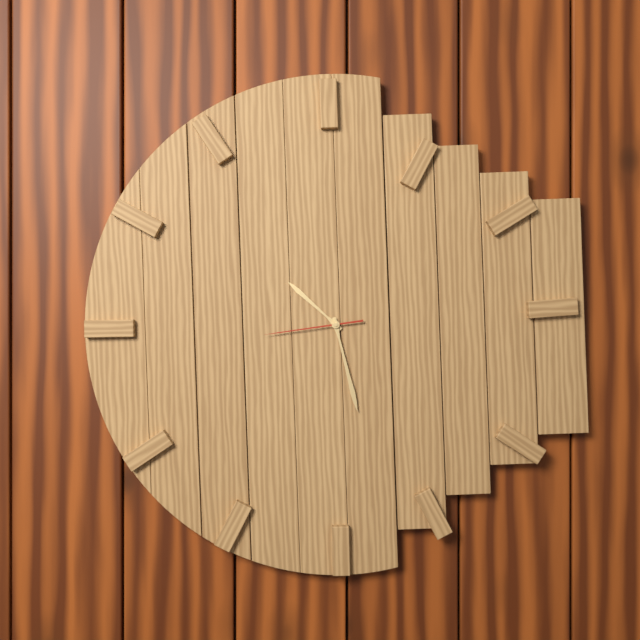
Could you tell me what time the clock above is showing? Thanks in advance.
10:28:44
